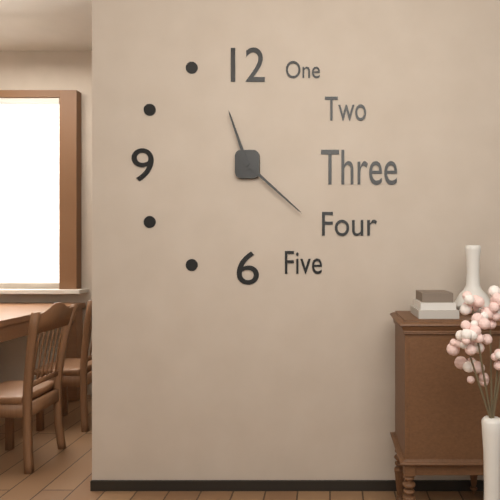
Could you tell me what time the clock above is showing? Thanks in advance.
11:22
